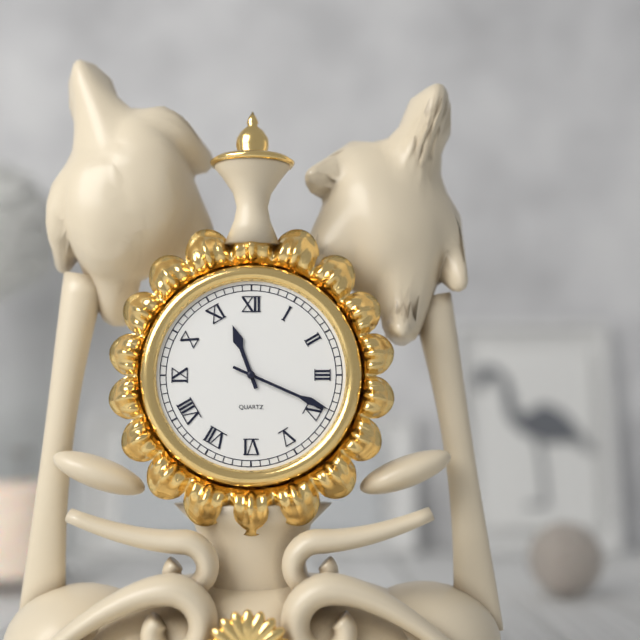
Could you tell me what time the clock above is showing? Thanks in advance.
11:19
